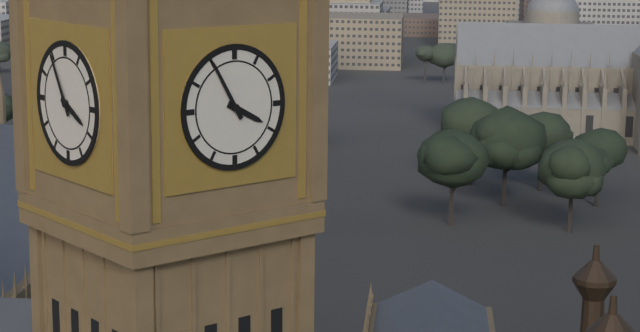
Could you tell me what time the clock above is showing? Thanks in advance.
3:55
